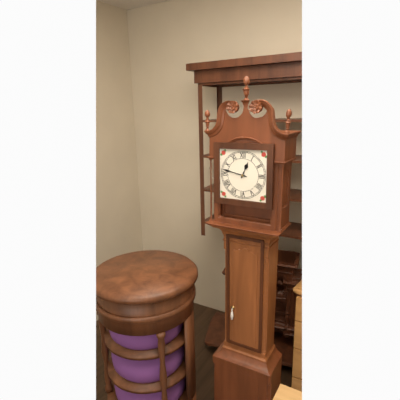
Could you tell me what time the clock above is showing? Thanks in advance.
12:47
